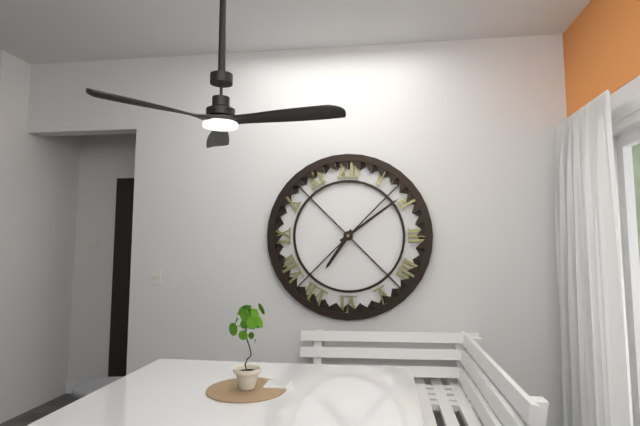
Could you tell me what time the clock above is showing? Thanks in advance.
7:09
